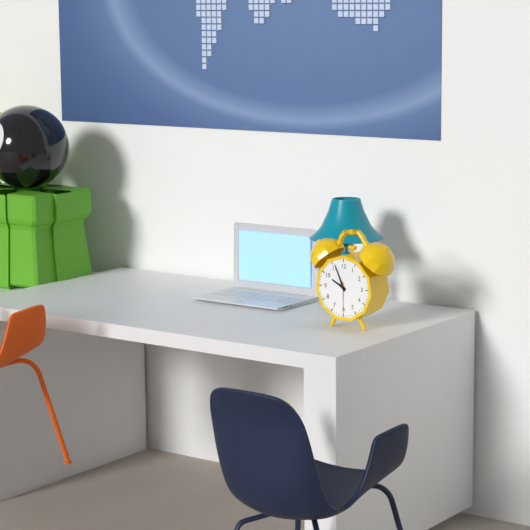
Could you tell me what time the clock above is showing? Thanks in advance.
9:56
